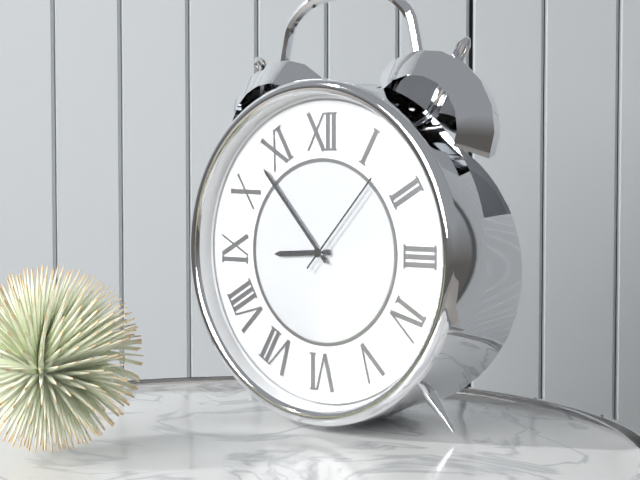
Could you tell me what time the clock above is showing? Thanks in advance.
8:53:07
